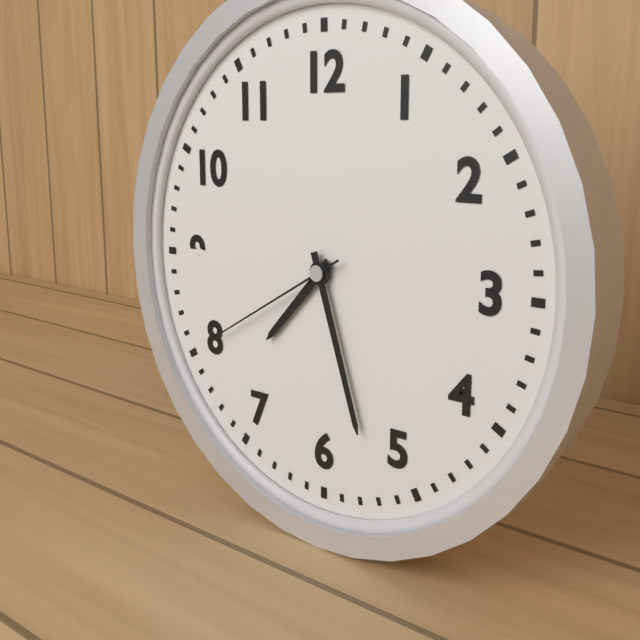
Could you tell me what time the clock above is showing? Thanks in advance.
7:27:40
